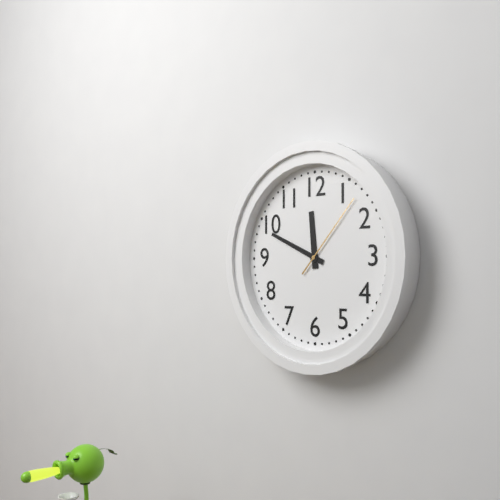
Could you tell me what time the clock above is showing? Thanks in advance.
11:49:07
